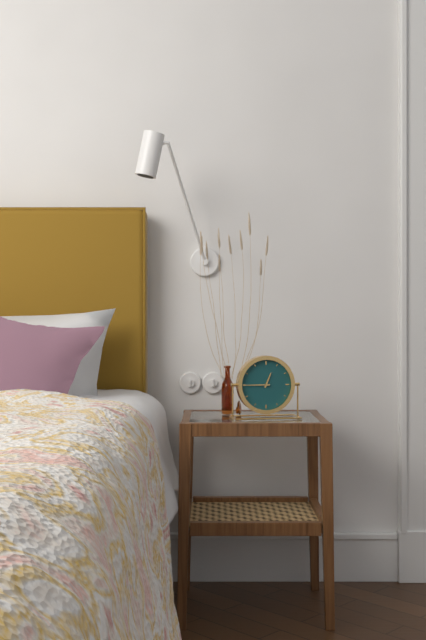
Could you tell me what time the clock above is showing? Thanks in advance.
12:45
